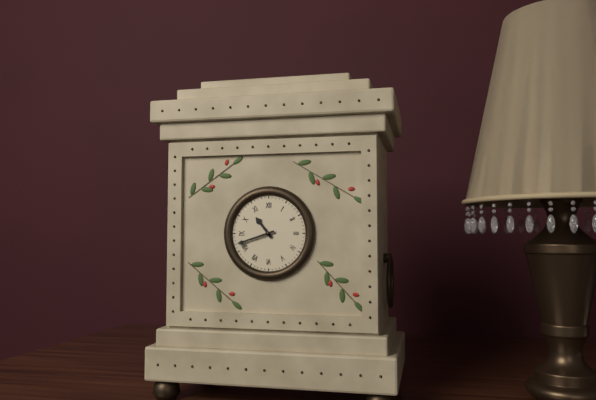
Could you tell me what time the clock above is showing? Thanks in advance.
10:42
